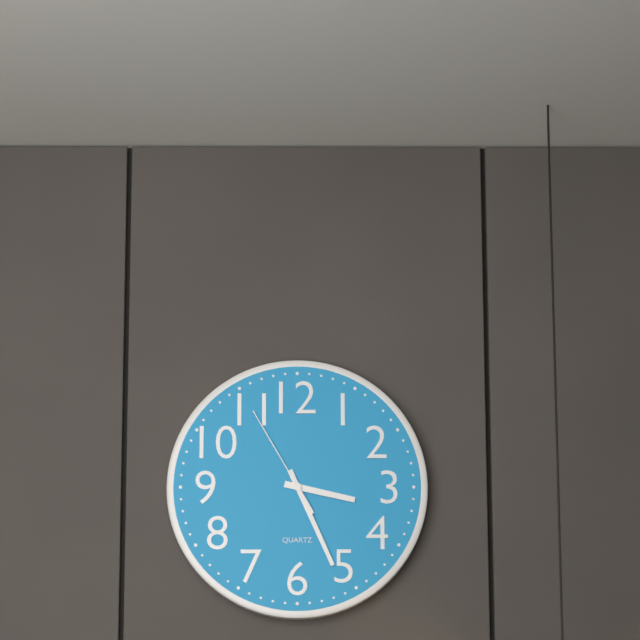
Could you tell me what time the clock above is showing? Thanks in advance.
3:26:55
